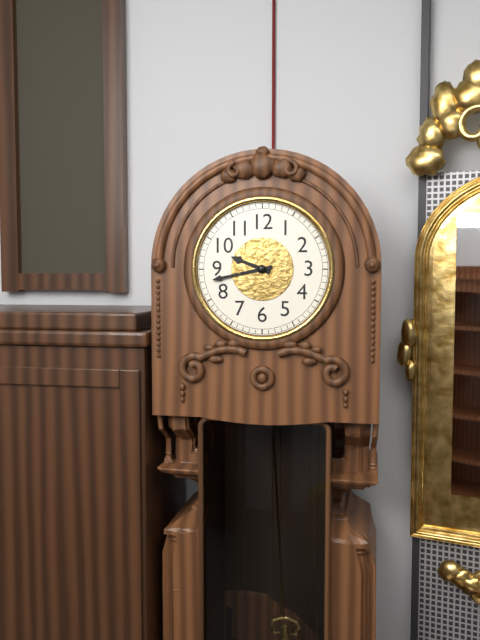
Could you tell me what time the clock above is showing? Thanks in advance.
9:43
